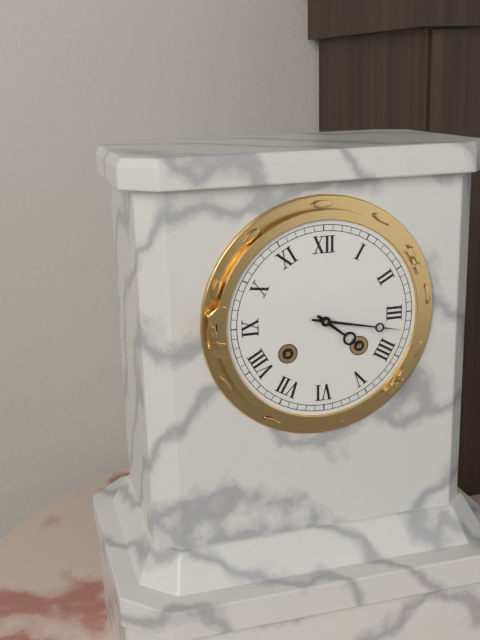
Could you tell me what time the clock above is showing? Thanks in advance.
4:17
